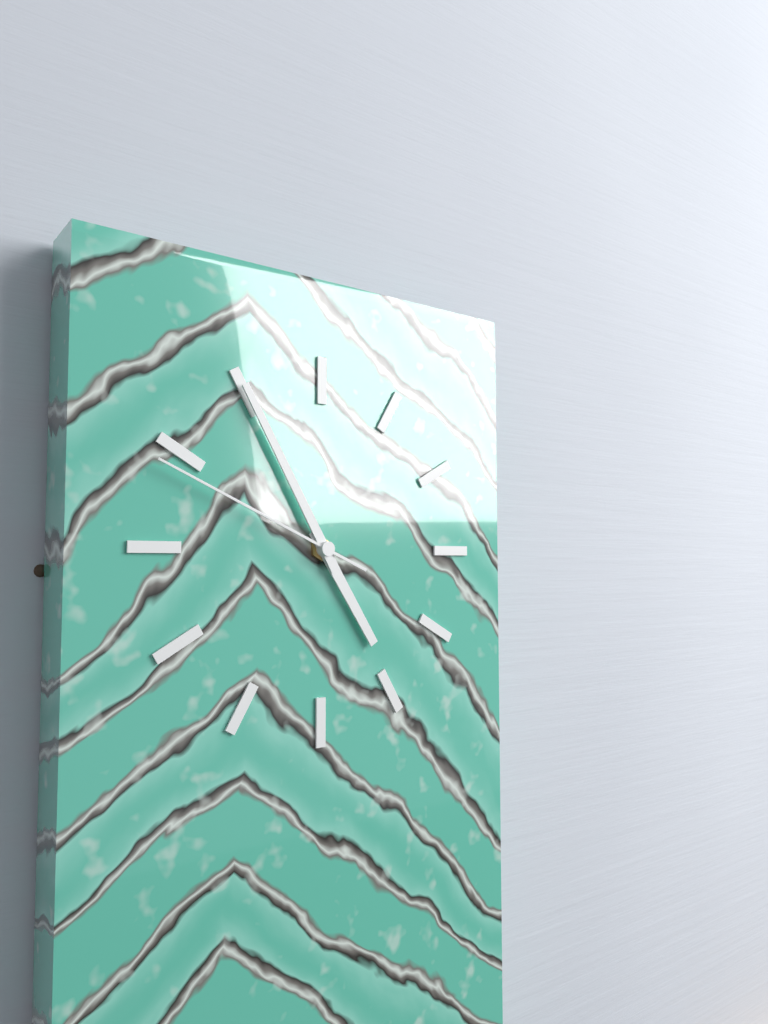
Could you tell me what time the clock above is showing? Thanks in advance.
4:55:49
